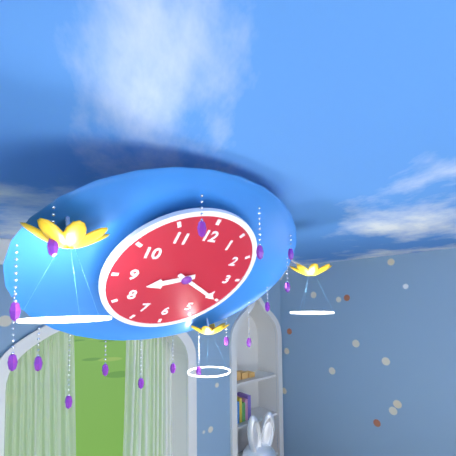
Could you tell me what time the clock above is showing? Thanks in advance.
8:20
